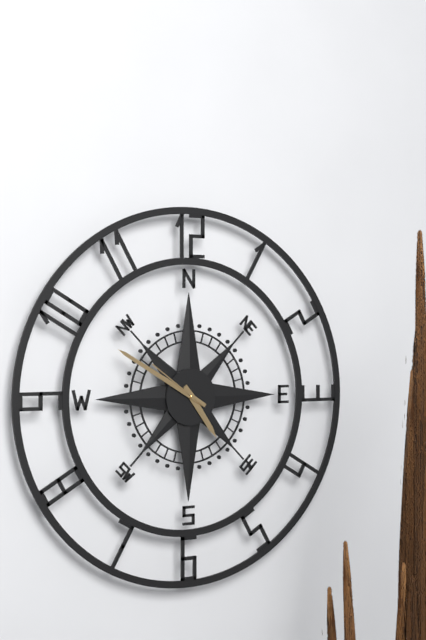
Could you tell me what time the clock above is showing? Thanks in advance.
4:50:51
